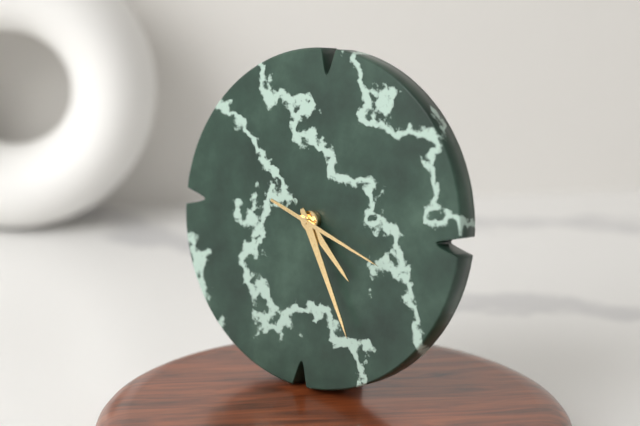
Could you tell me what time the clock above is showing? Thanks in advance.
4:25:18
